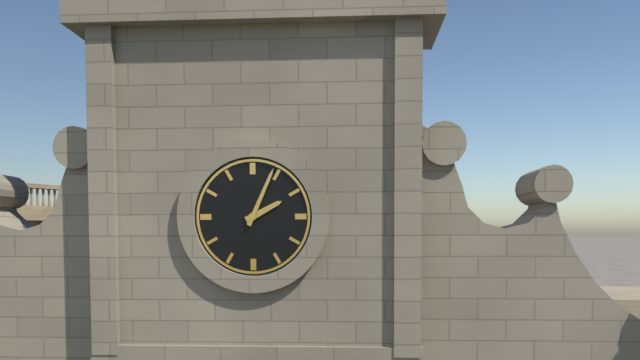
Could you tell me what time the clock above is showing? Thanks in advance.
2:04
